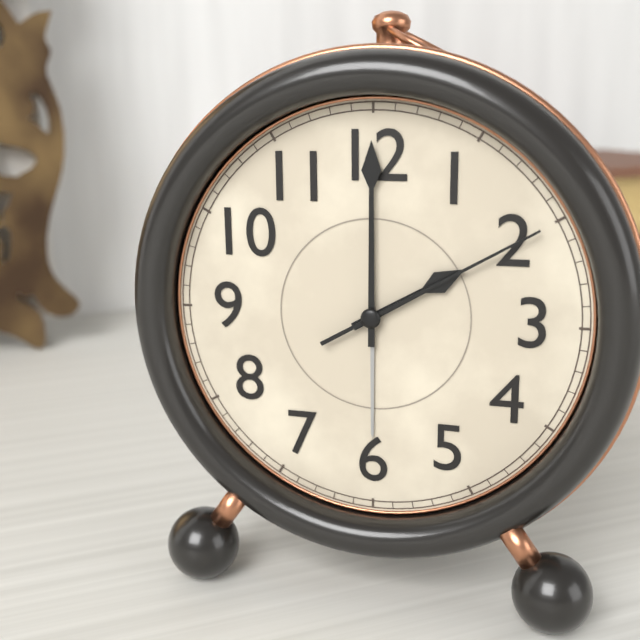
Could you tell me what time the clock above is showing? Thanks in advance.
2:00:10
